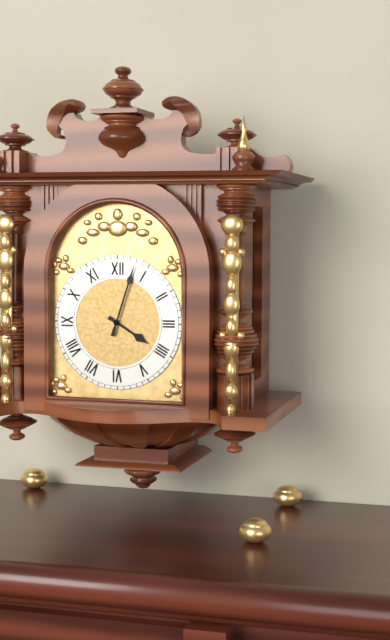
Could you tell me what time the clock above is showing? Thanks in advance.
4:03
